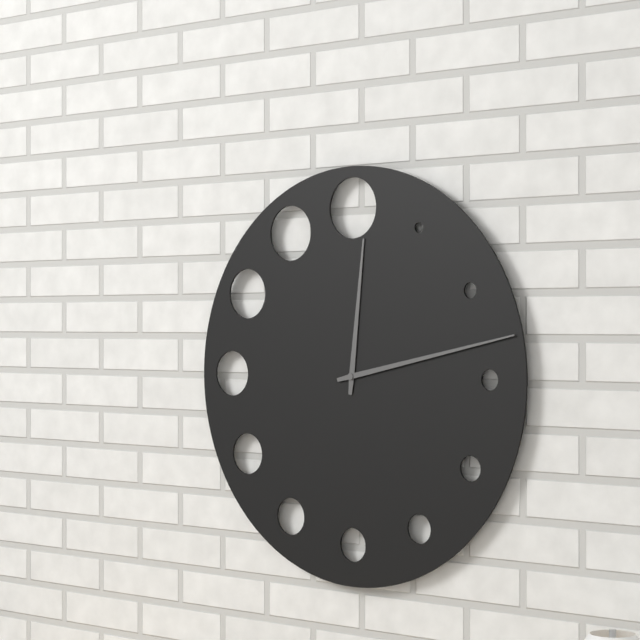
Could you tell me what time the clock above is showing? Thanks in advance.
12:13
